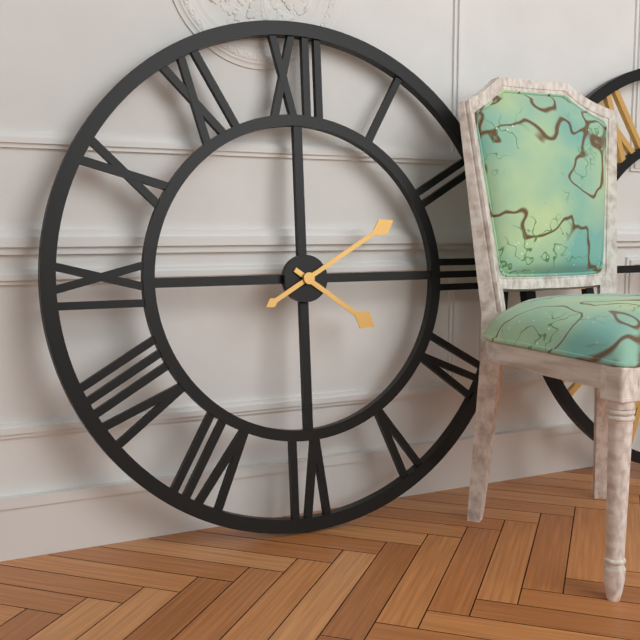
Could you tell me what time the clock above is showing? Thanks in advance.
4:10
